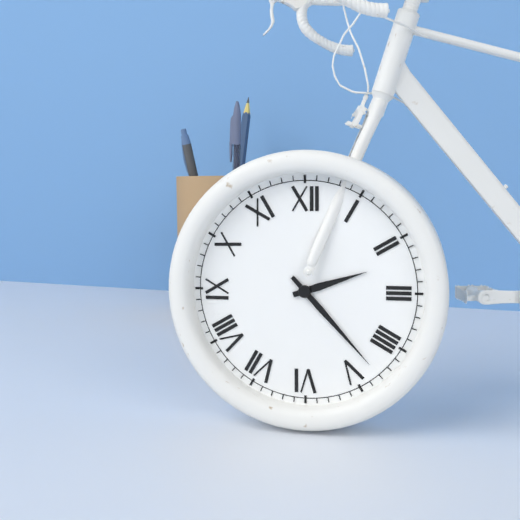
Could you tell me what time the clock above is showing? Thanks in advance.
2:23
